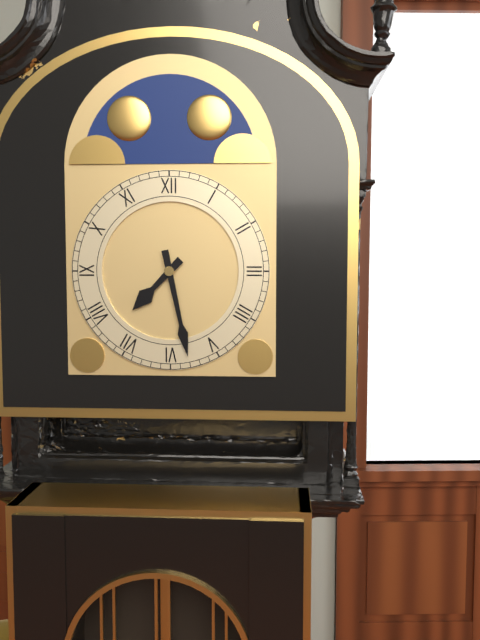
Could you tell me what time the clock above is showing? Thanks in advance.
7:28
